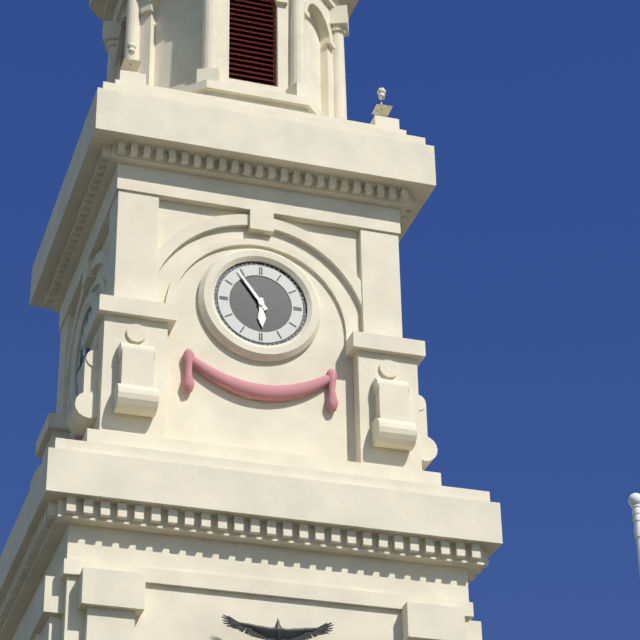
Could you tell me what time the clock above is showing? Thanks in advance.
5:54
